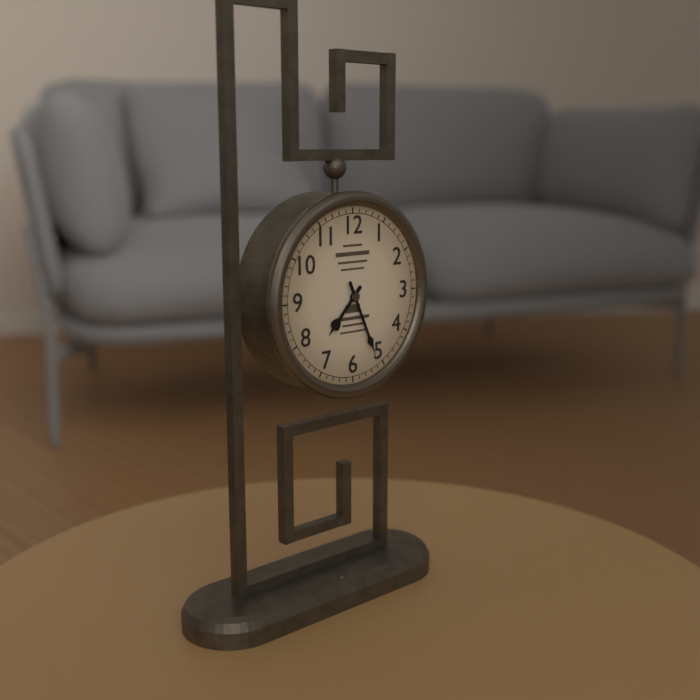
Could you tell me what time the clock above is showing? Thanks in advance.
7:26
